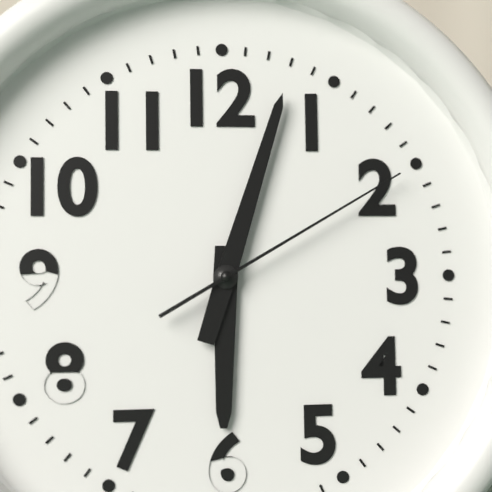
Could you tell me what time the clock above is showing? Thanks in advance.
6:03:10
